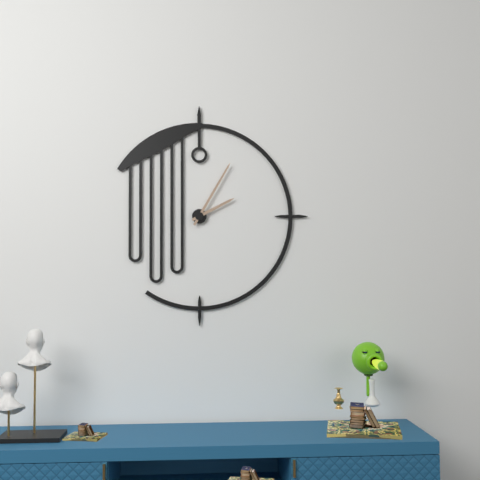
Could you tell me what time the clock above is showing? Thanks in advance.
2:05
